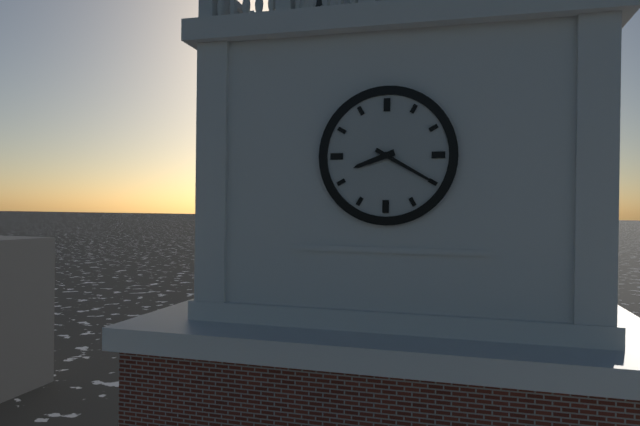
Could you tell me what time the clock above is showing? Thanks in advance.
8:20
